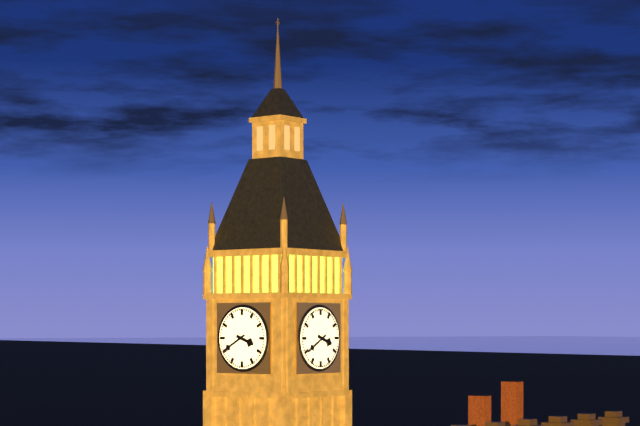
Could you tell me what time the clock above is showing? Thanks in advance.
3:40
